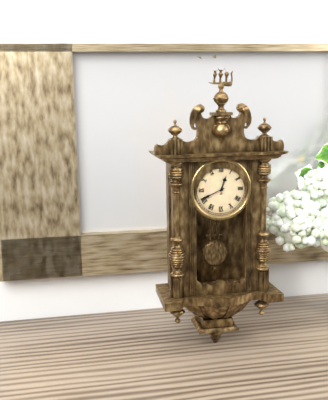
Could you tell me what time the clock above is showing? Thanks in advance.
12:41
